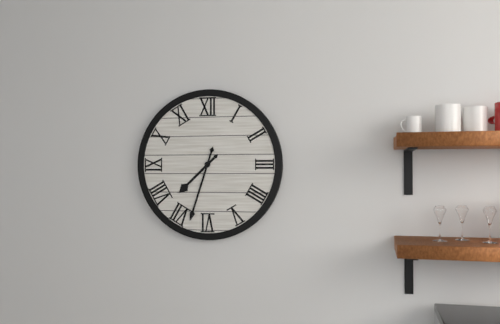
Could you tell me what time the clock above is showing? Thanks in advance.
7:33
